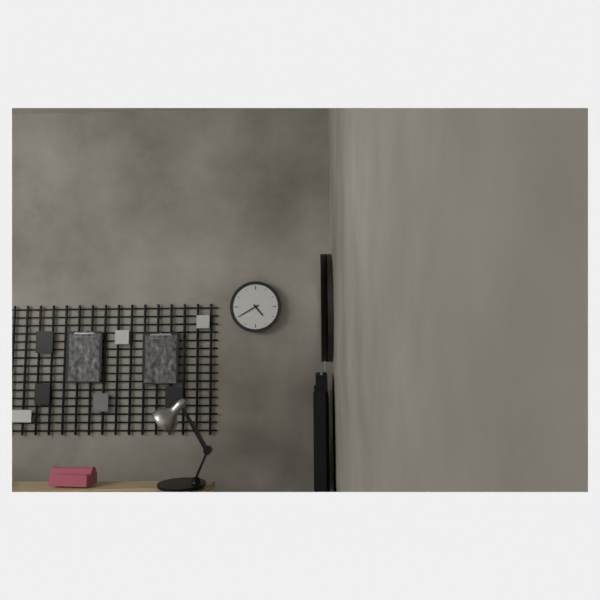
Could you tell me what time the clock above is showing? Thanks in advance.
4:40
